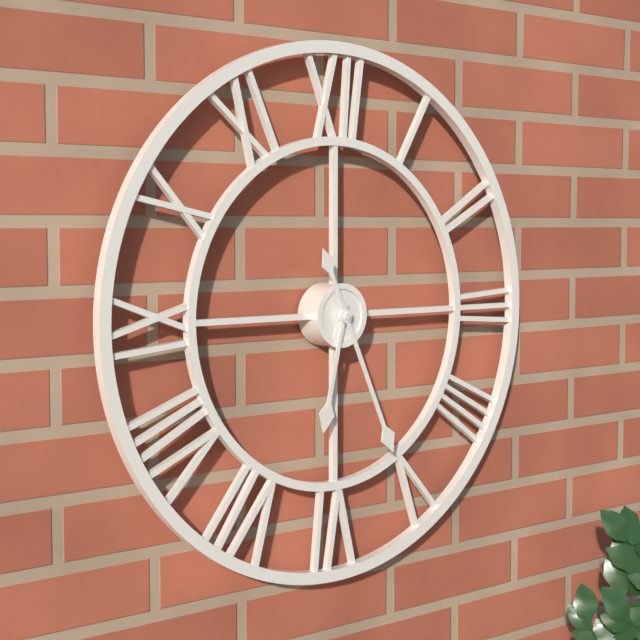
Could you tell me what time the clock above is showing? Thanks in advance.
6:26
